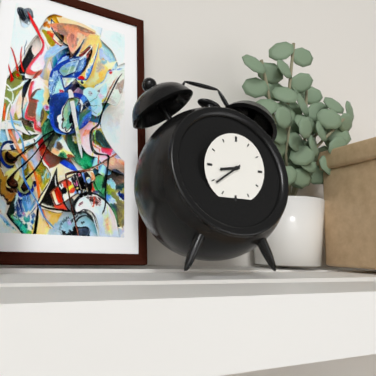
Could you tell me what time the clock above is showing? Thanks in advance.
8:39
